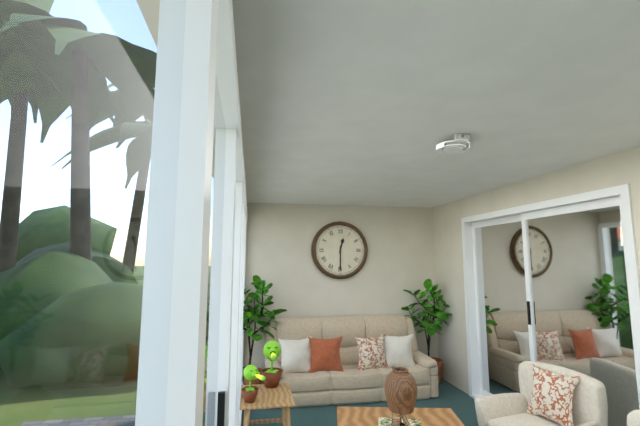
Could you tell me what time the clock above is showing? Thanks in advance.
12:30
